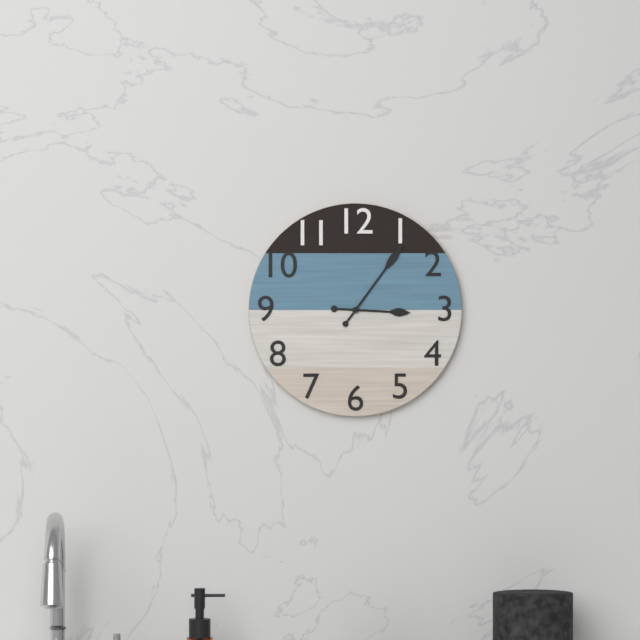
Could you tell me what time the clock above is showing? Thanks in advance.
3:06
